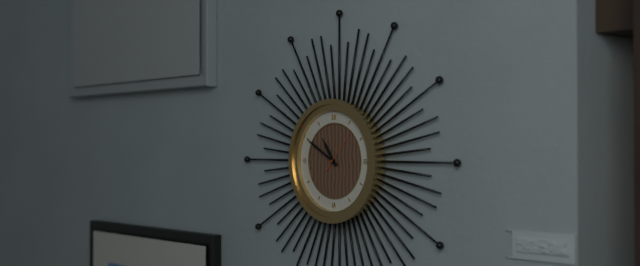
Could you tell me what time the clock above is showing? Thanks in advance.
10:50
